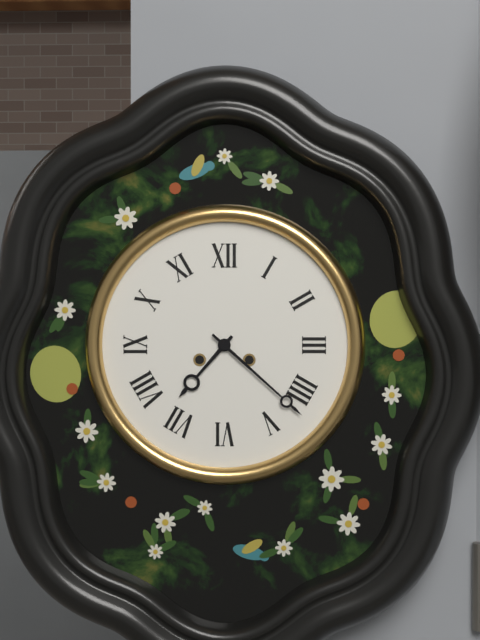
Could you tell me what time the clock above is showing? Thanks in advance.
7:22
